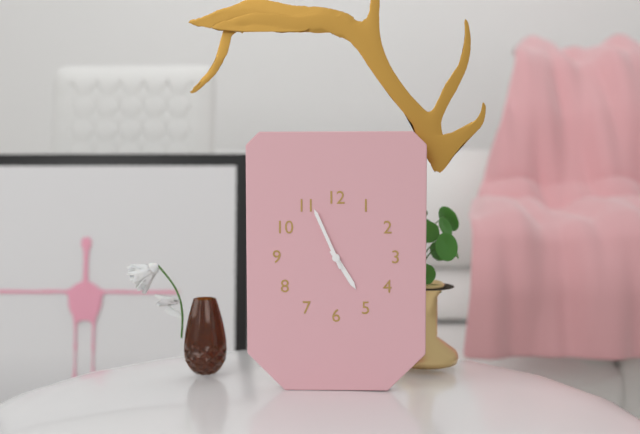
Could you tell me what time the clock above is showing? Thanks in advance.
4:56
